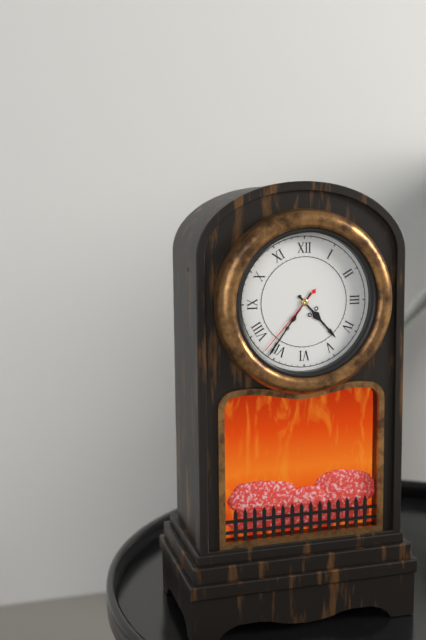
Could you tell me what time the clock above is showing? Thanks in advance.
4:36:37
